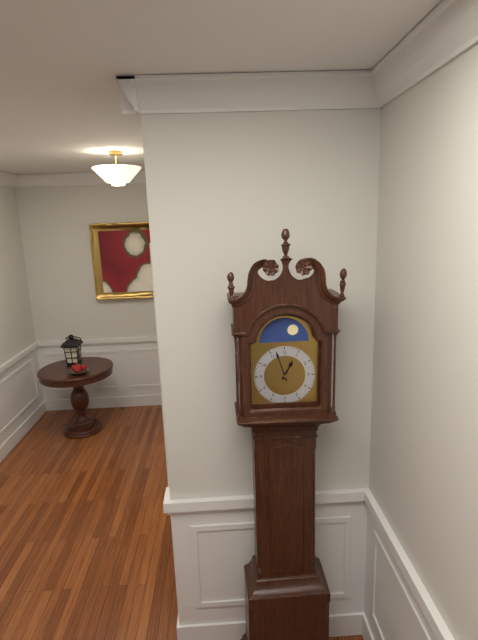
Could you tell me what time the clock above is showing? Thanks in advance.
12:57
